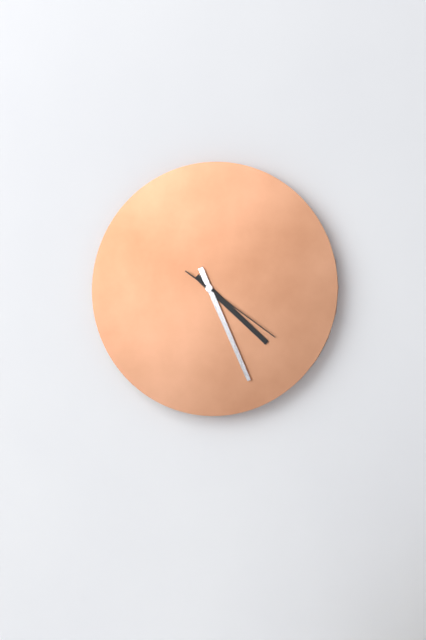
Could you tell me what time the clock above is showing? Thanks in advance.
4:26:21
